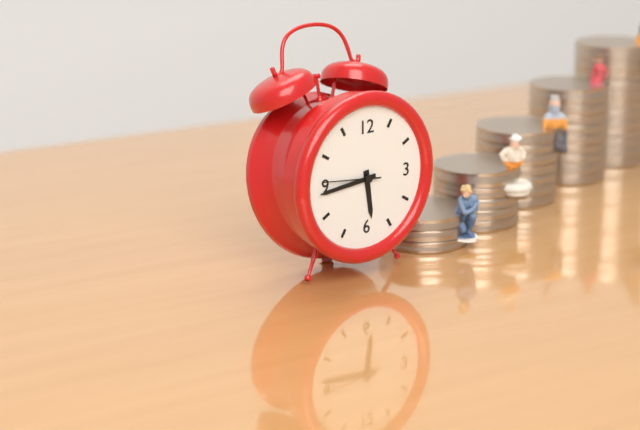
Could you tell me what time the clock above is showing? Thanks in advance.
5:44:46
